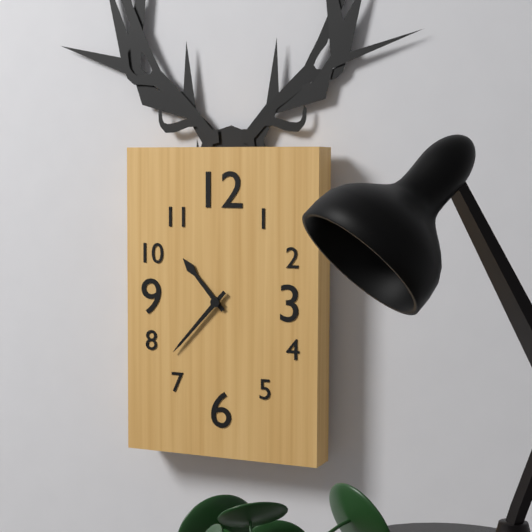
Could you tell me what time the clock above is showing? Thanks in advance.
10:37
